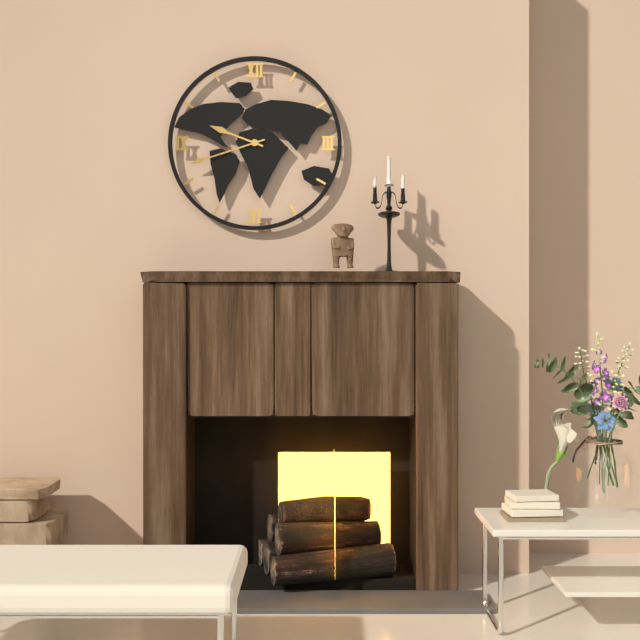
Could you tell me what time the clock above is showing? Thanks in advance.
9:42
